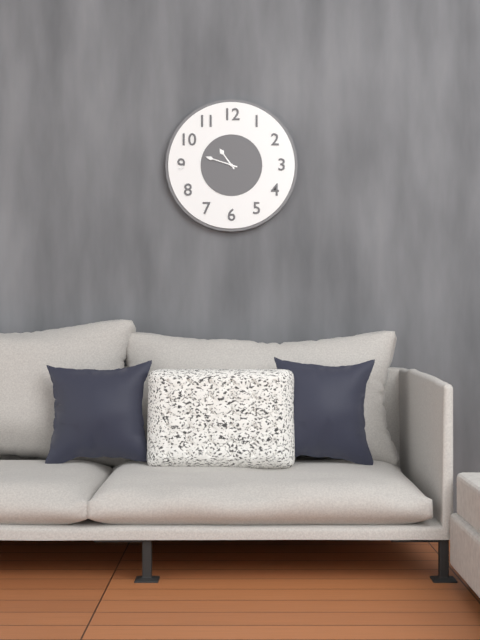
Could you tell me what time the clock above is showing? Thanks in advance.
10:48
